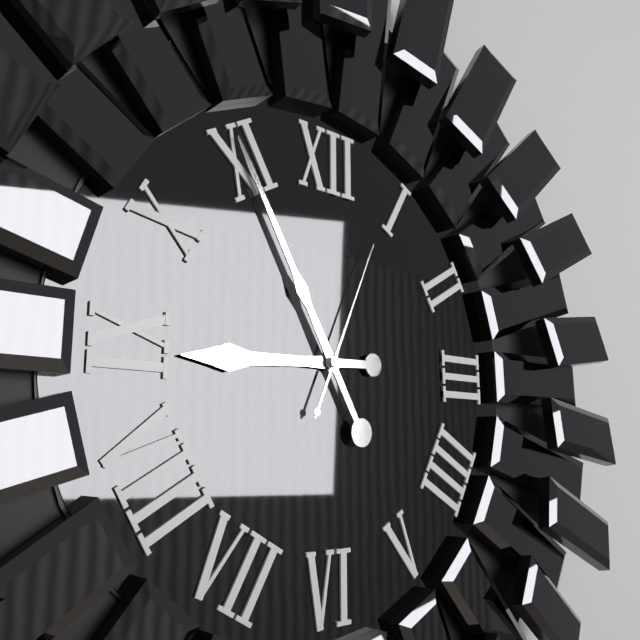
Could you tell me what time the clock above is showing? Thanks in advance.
8:55:04
